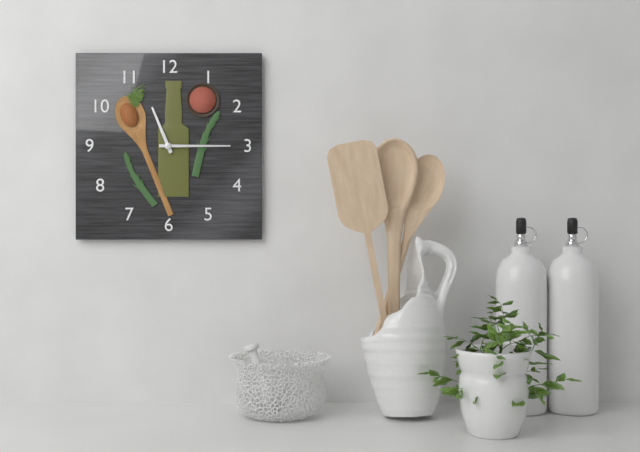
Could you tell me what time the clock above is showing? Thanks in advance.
11:15
